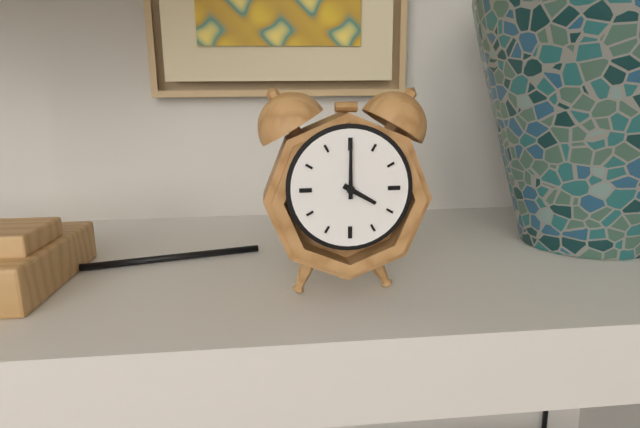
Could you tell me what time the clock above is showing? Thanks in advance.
4:00
